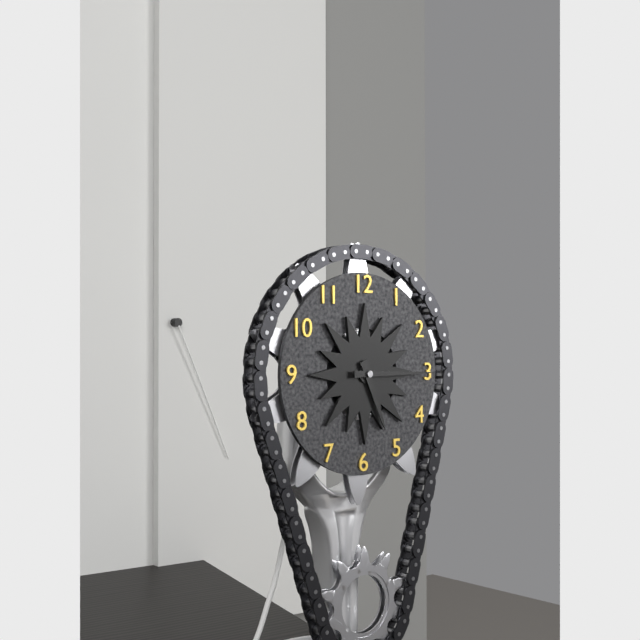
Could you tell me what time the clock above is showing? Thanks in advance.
5:15
